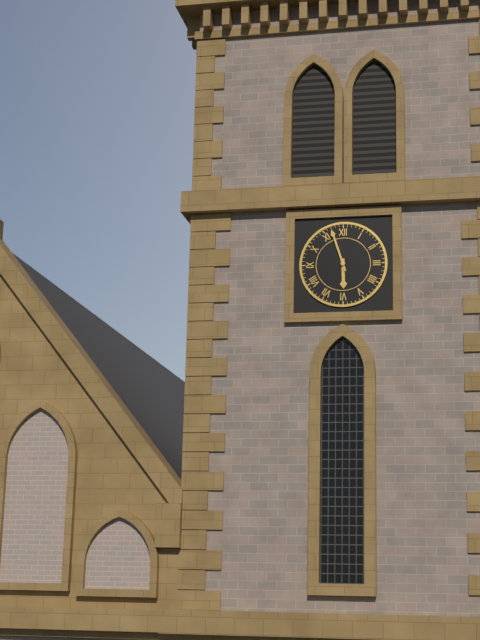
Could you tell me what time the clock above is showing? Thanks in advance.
5:57
